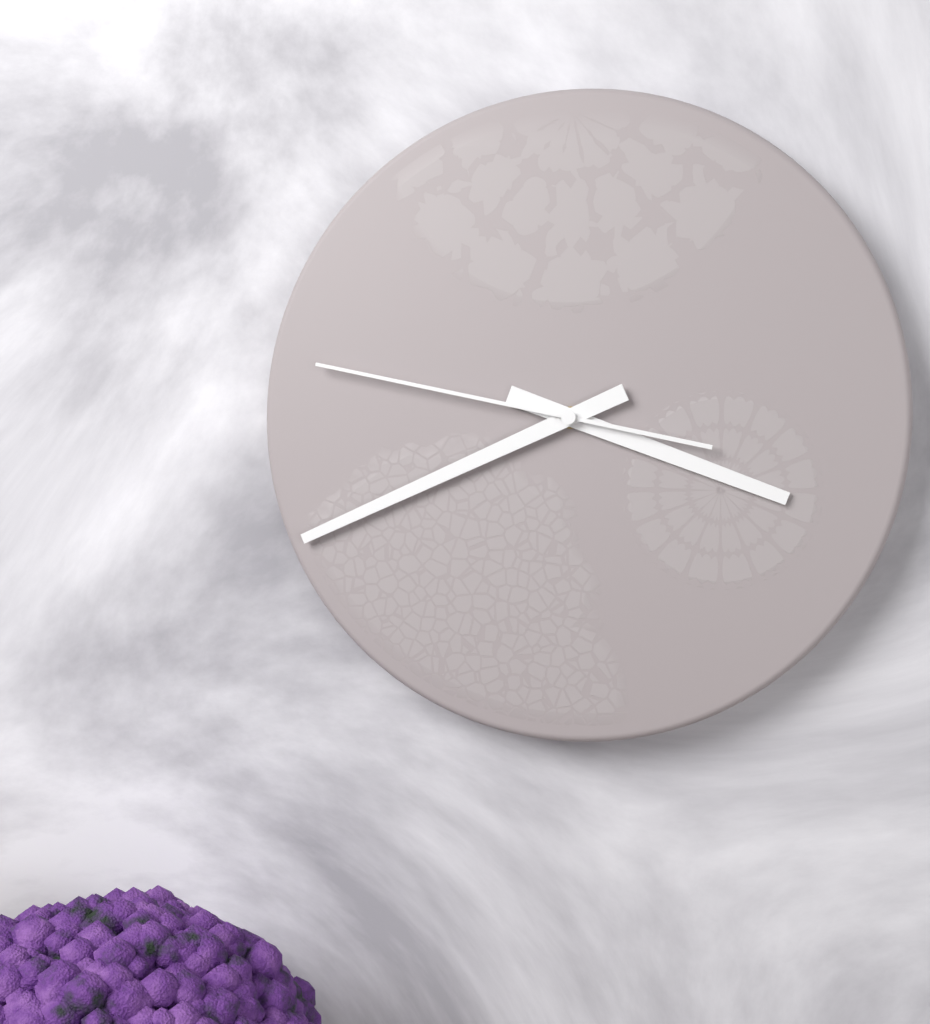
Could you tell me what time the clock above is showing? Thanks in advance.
3:41:47
